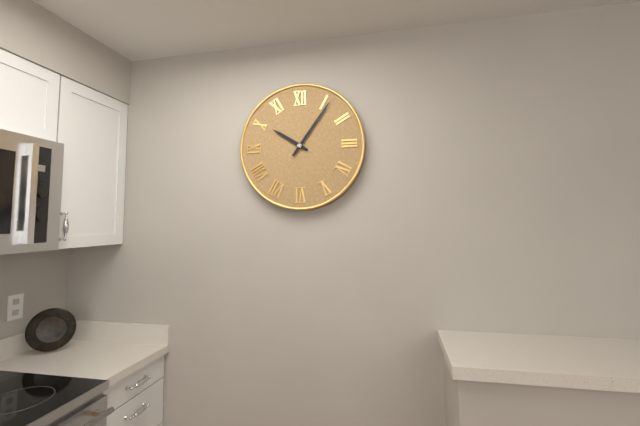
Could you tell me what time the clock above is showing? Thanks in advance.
10:06
